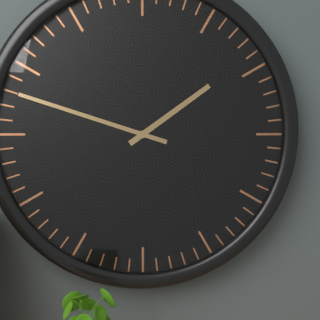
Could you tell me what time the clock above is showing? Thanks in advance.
1:48
